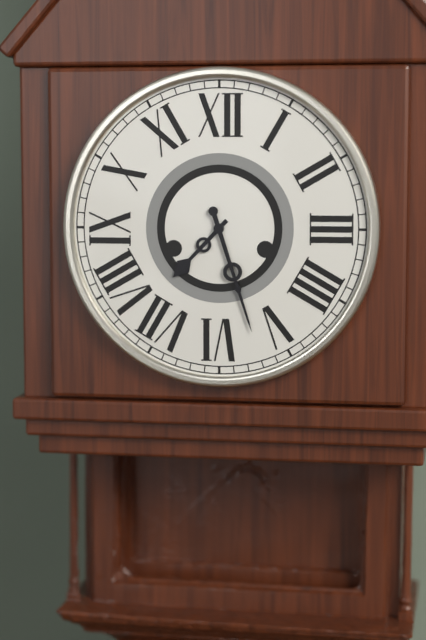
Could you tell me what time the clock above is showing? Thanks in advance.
7:27
